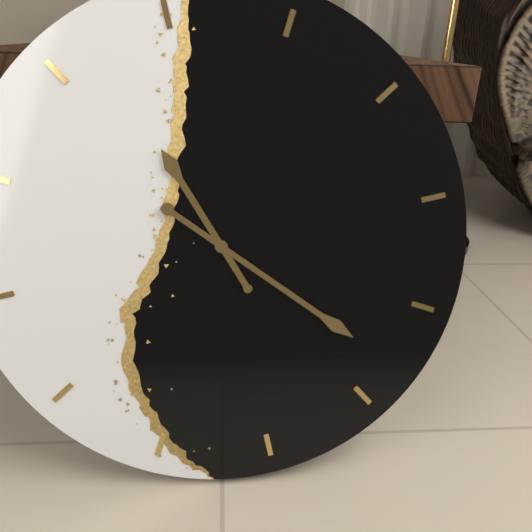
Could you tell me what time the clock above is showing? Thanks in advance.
11:23
